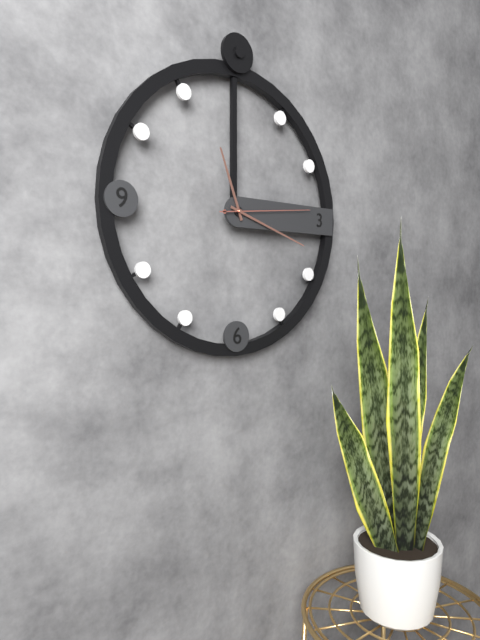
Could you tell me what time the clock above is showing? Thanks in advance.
11:18:14
